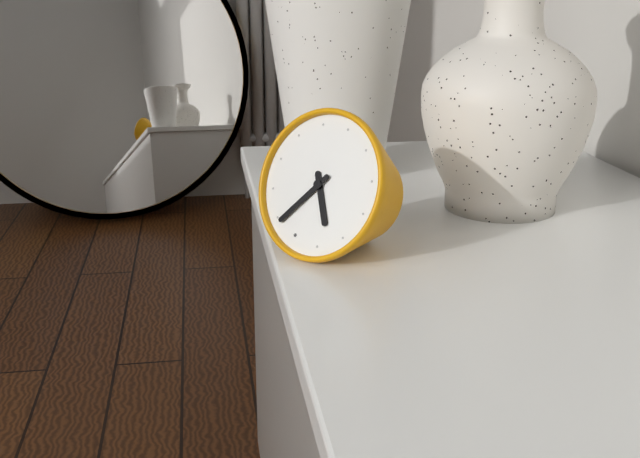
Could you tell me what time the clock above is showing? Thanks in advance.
4:34
